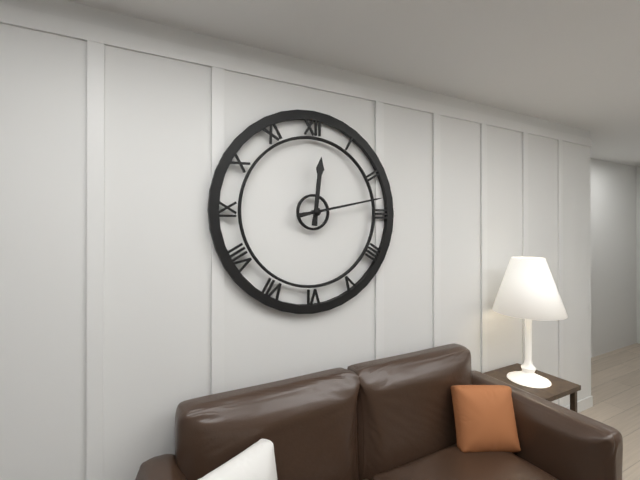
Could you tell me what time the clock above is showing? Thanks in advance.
12:13
